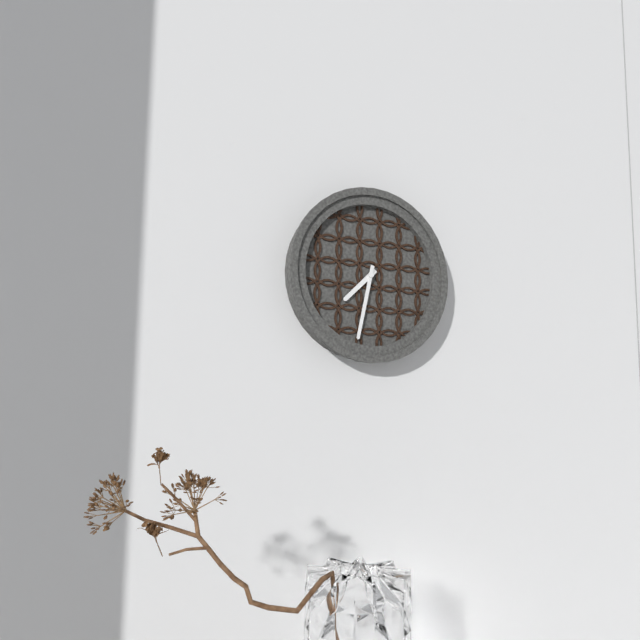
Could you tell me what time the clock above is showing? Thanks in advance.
7:32
